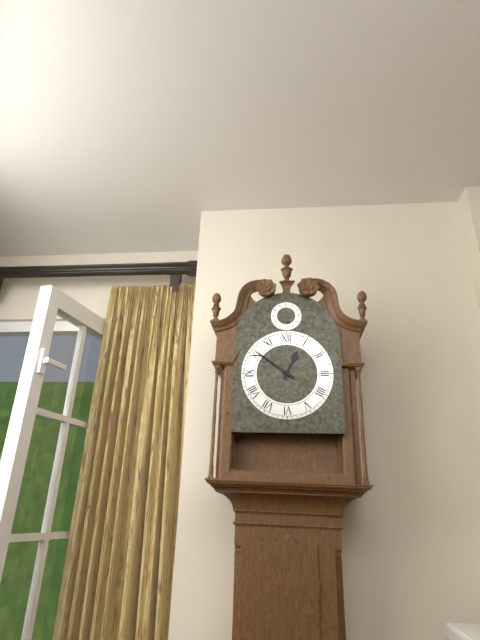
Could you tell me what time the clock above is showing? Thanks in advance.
12:51
